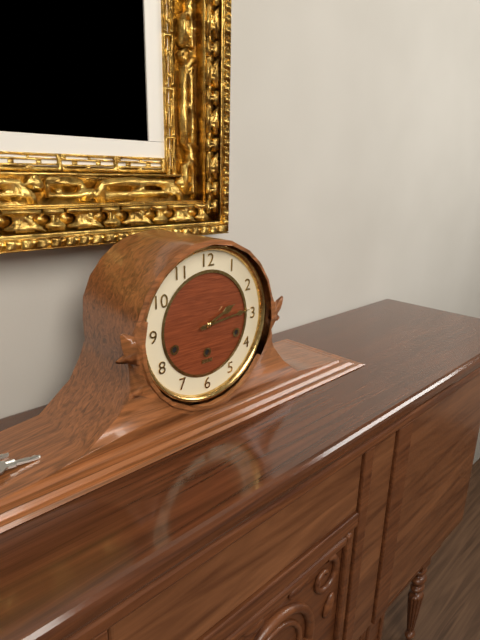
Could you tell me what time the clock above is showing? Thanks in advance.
2:14
